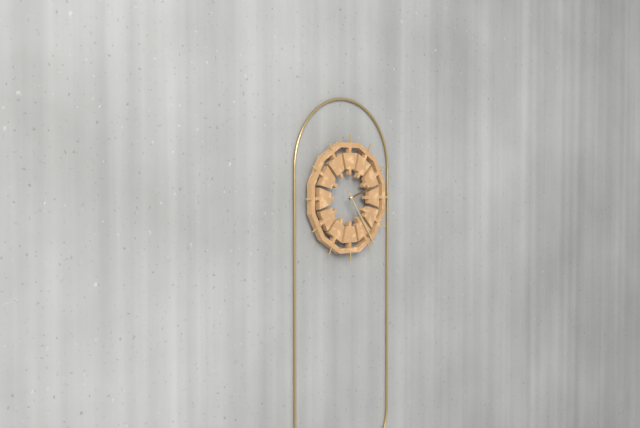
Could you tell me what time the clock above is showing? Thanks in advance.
2:24
